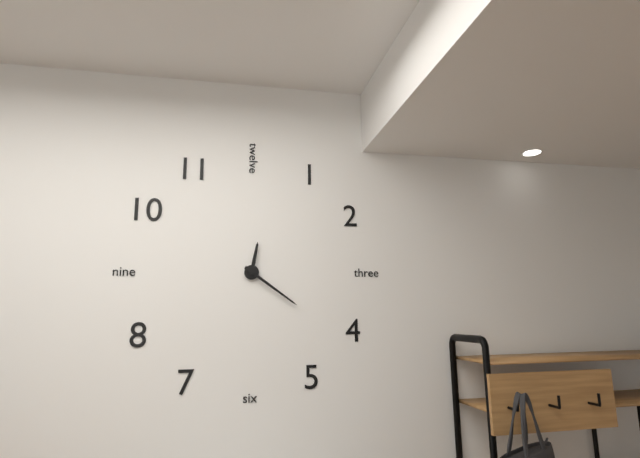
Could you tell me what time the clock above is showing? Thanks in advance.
12:21
